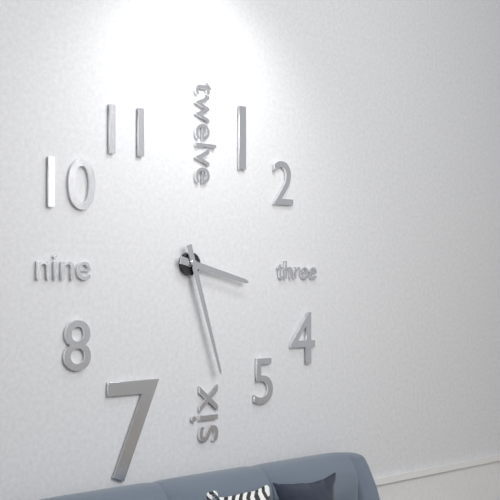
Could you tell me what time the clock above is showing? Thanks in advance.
3:27
